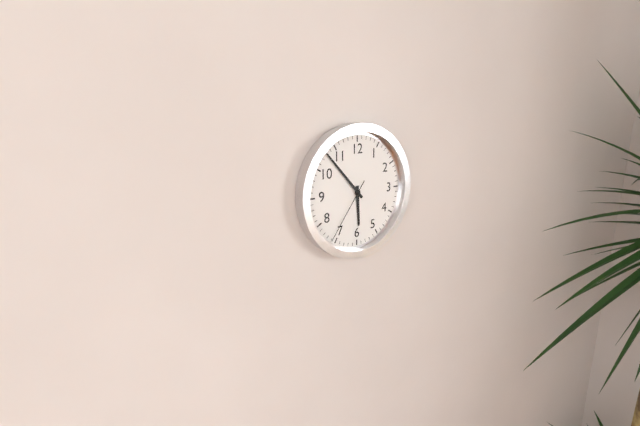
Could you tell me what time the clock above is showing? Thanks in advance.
5:53:36
